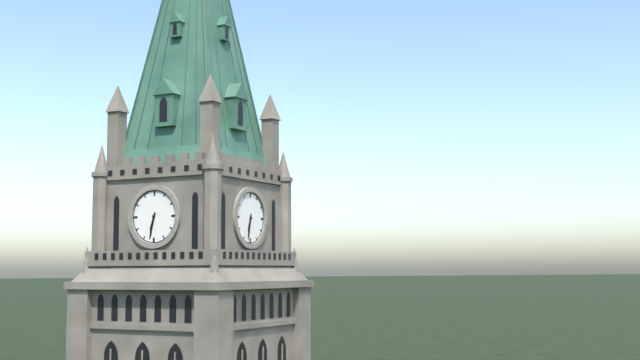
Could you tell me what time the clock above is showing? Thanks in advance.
6:32
